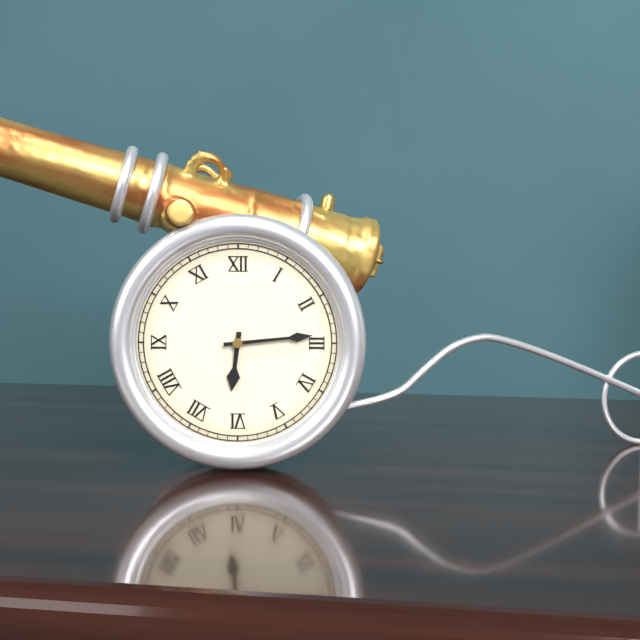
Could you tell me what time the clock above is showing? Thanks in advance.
6:14
